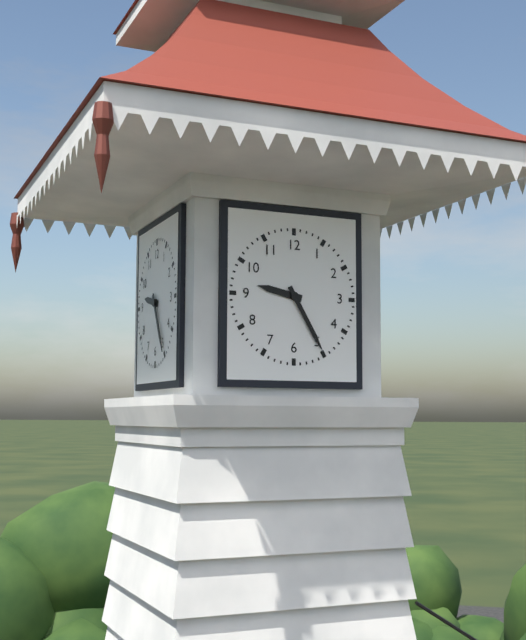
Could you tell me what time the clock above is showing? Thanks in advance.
9:25
